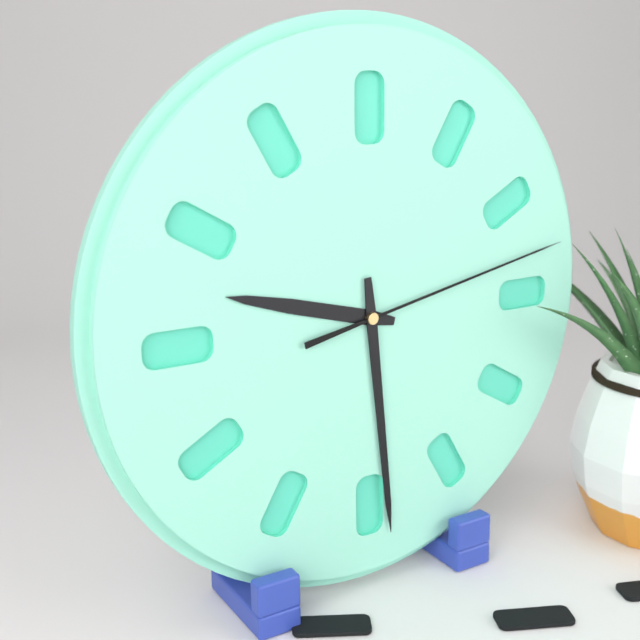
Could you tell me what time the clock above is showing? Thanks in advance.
9:29:13
